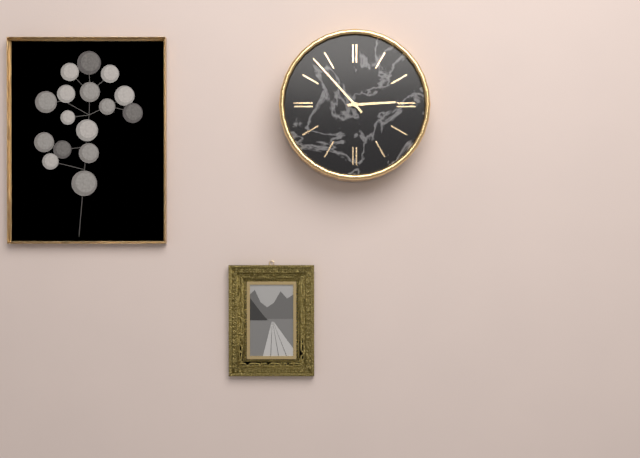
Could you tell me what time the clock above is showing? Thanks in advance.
2:53
